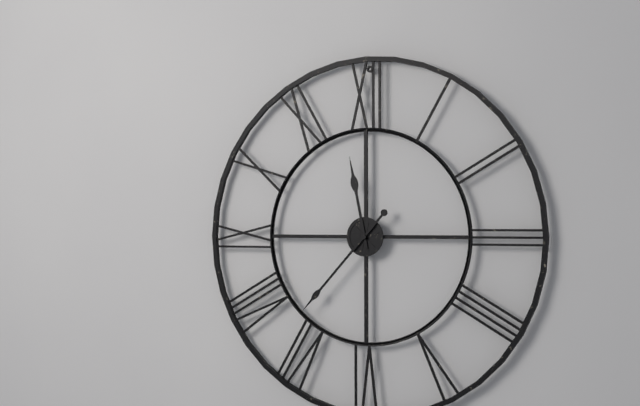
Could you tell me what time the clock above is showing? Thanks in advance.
11:37
